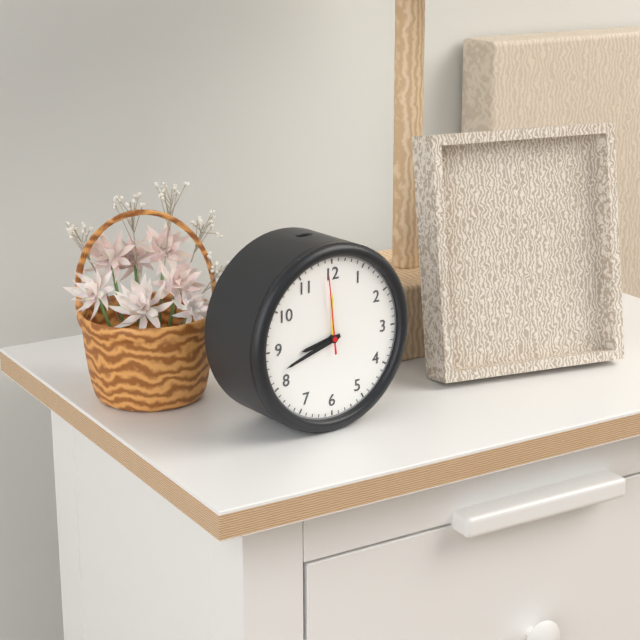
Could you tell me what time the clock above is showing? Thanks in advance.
8:42:59
